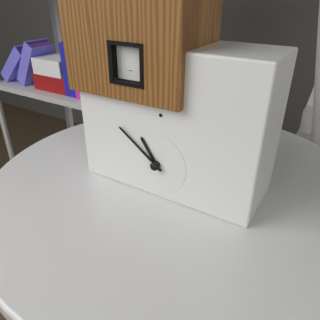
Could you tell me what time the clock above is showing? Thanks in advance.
10:51
